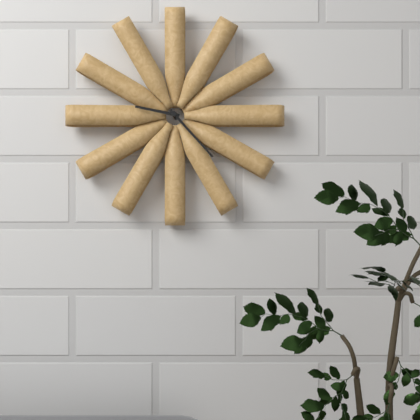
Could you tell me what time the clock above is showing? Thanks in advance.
9:23
